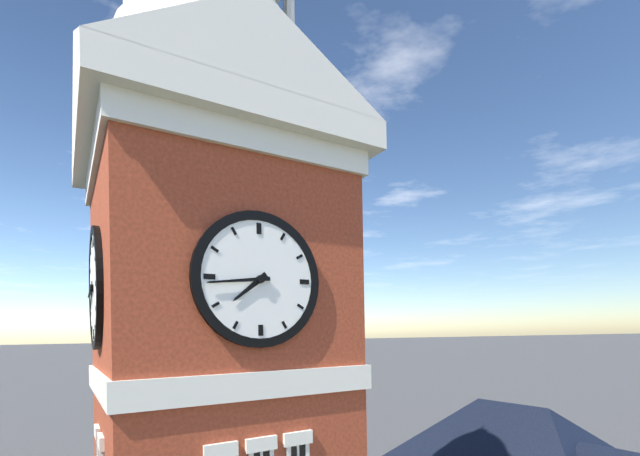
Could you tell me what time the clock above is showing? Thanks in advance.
7:44
